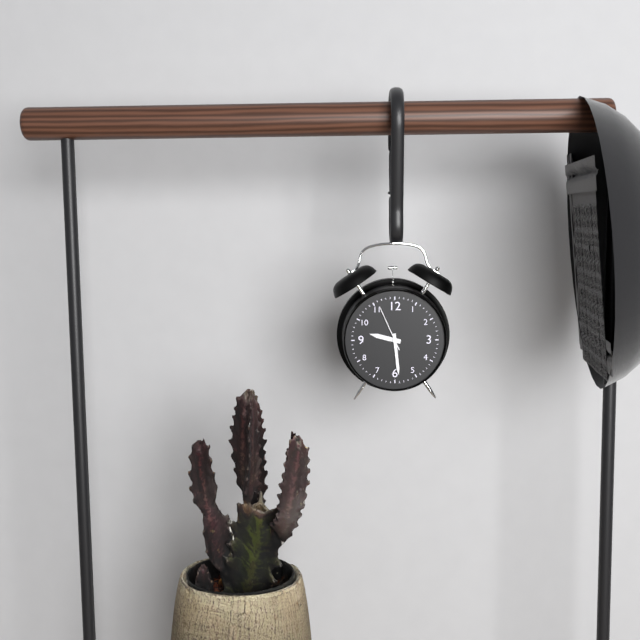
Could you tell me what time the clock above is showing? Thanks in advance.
9:29
